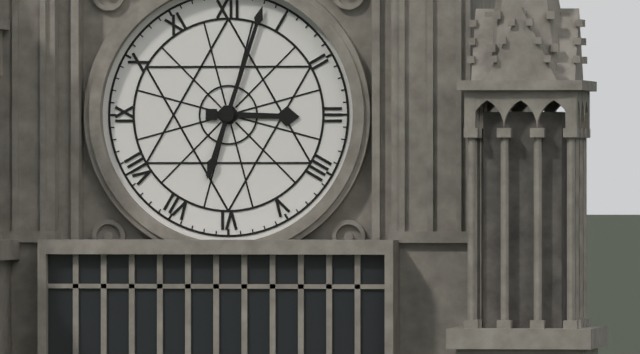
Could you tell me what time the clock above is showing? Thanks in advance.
3:03
